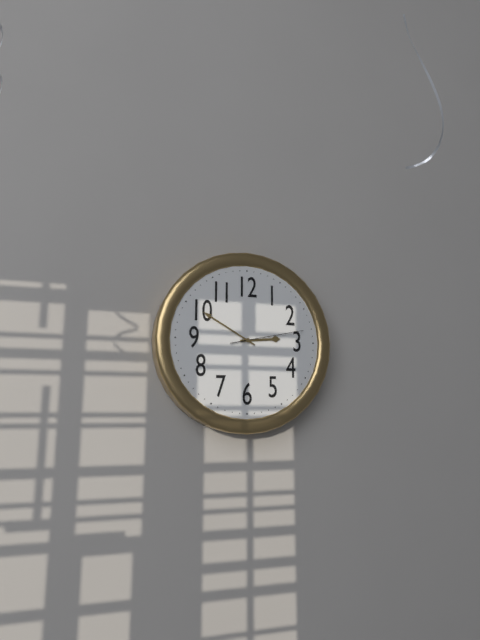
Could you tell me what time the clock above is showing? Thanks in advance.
2:50:13
